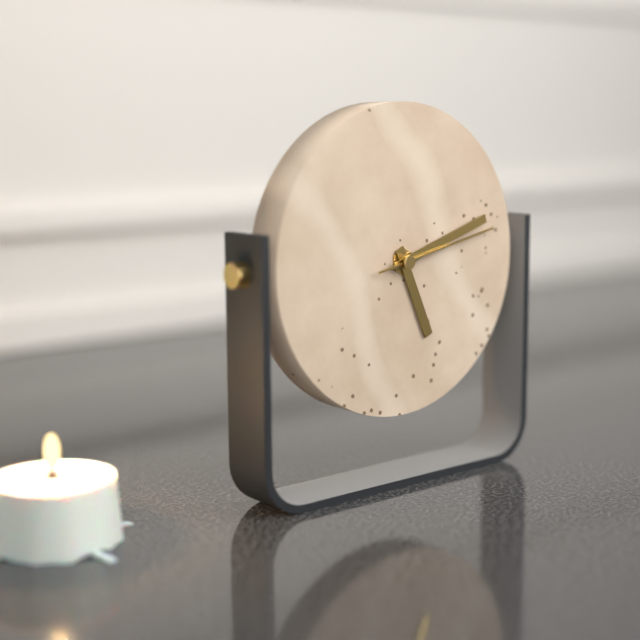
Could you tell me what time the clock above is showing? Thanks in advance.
5:12:13
